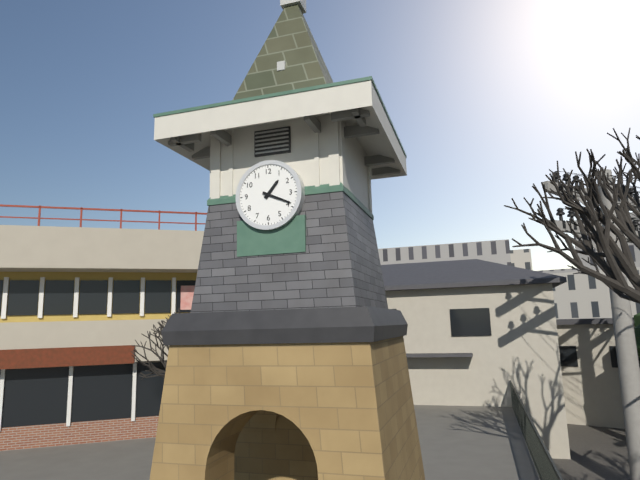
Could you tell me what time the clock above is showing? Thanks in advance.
1:19
